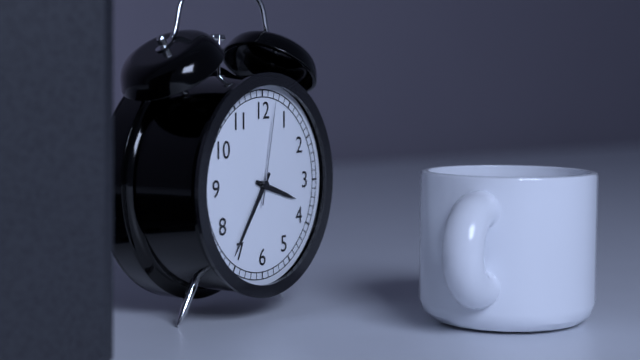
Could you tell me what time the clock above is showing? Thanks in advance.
3:36:02
